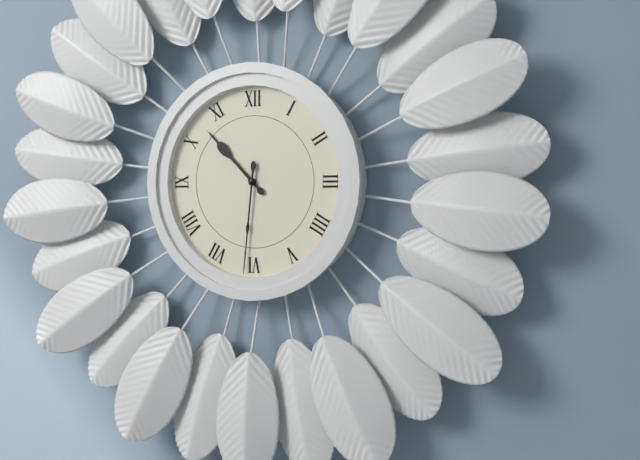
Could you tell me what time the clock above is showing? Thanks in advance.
10:31
